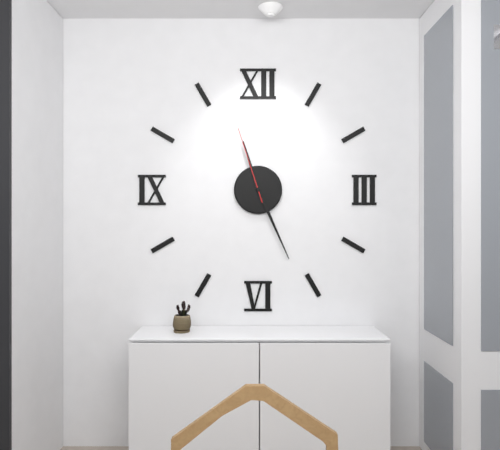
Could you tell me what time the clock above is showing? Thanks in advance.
11:26:57
